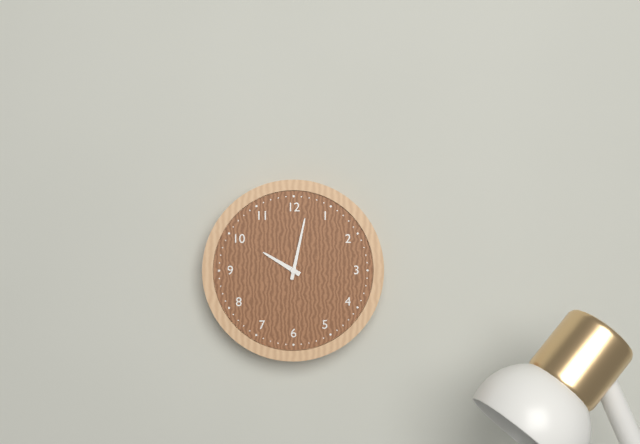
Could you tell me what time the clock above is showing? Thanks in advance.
10:02
